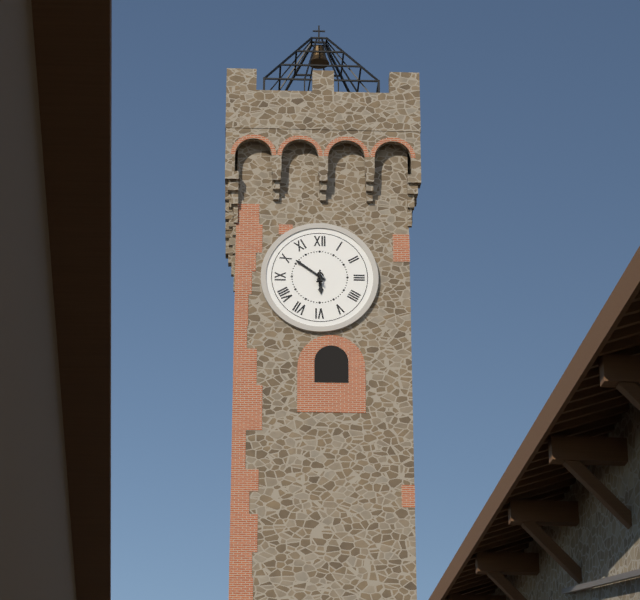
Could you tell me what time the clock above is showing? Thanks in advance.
5:51
